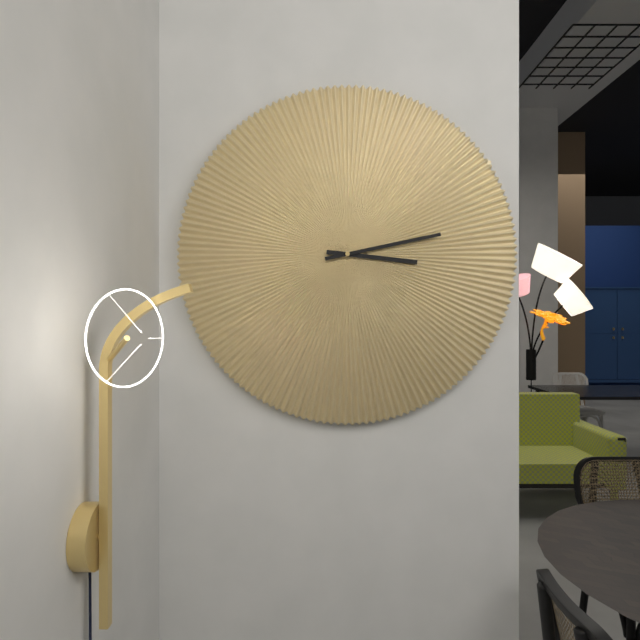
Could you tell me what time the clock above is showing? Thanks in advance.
3:13
